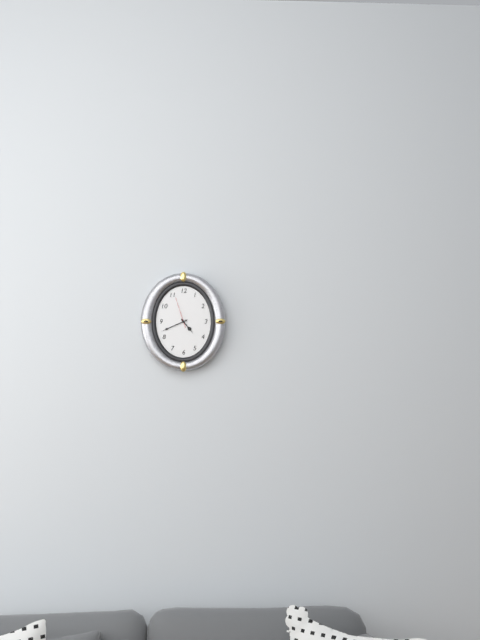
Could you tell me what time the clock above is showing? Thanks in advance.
4:41
